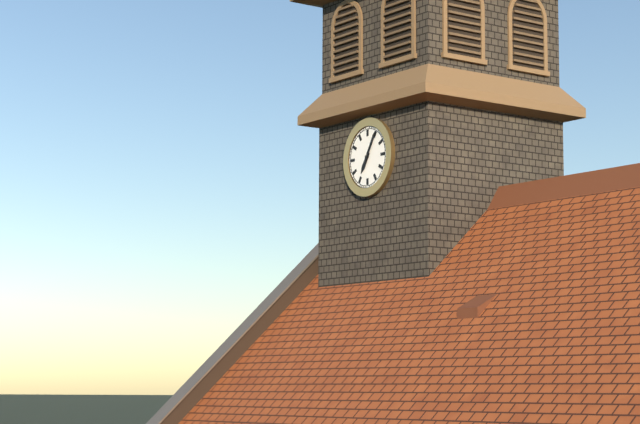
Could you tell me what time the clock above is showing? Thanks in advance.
7:05
